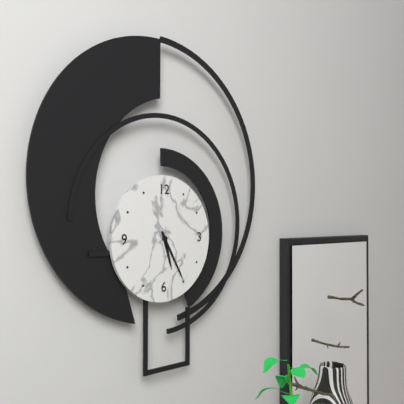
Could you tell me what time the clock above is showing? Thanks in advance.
5:25
